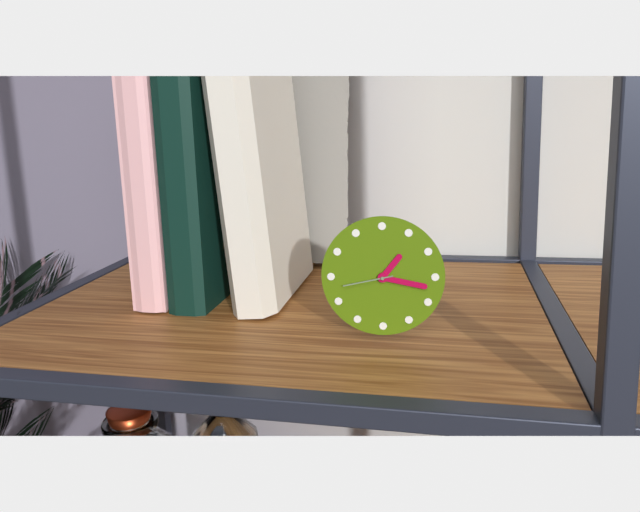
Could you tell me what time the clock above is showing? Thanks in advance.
1:17:43
